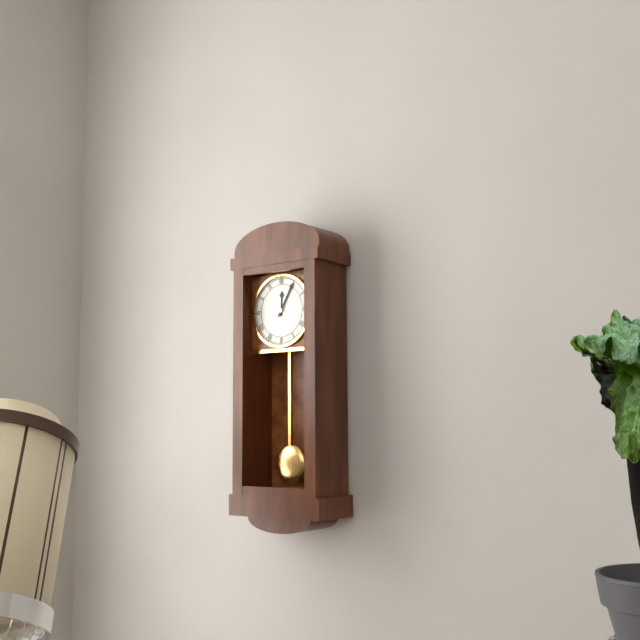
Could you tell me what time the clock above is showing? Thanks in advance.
12:05
